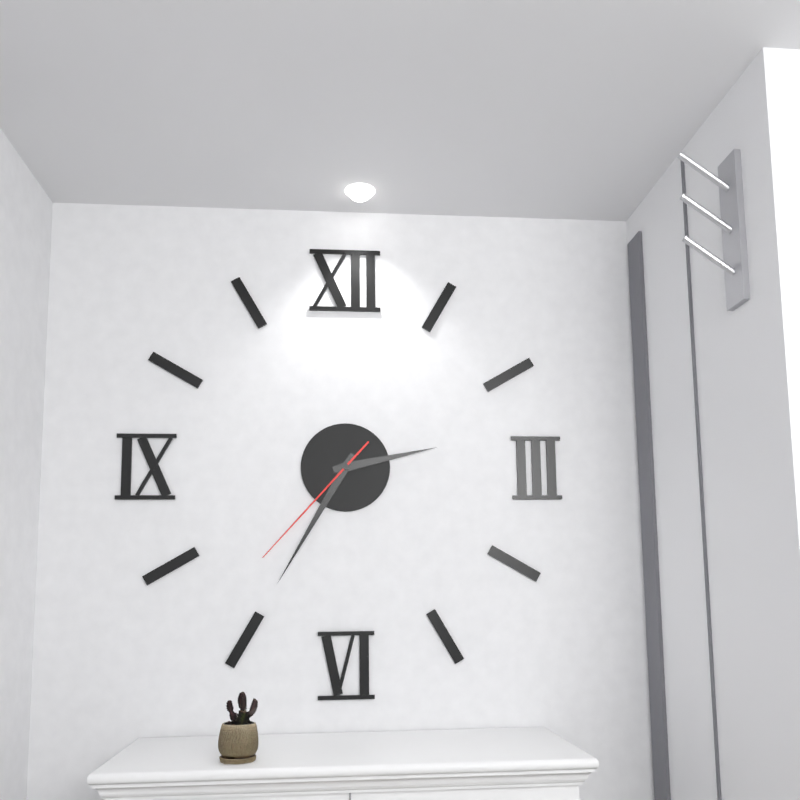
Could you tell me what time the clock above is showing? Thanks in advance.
2:35:37
